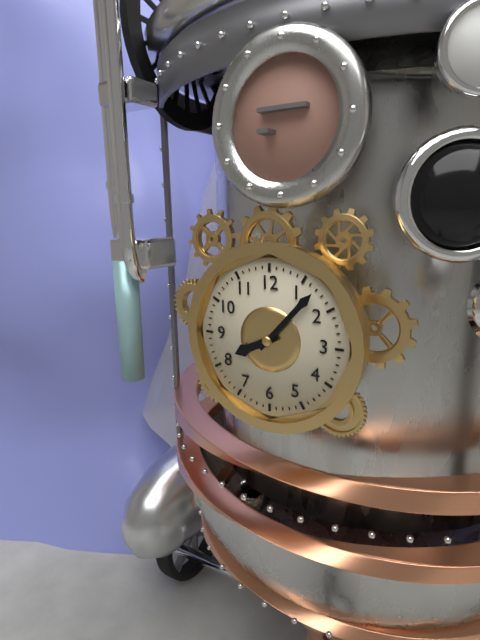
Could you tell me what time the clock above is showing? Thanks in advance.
8:07
